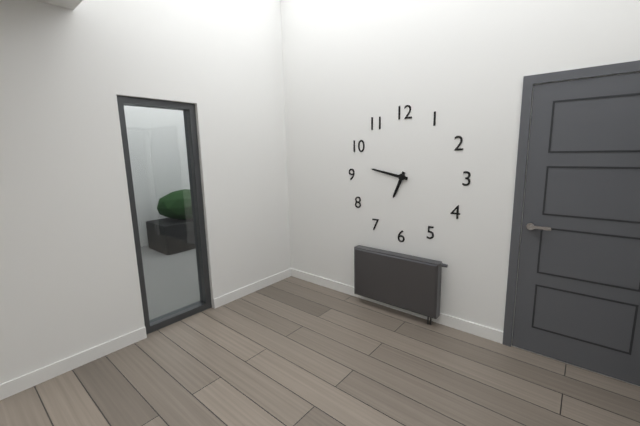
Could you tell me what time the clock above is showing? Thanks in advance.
6:47
